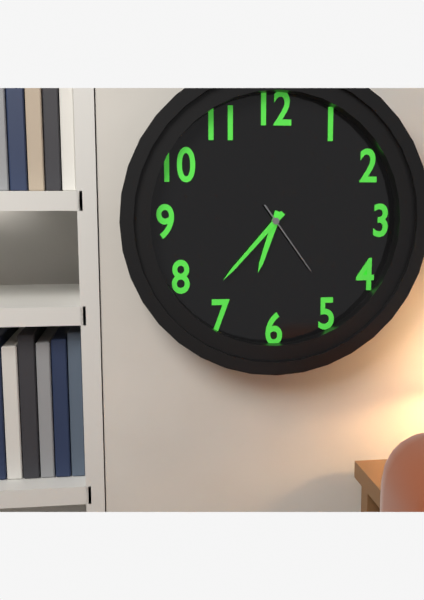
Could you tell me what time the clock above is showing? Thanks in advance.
6:37:24
